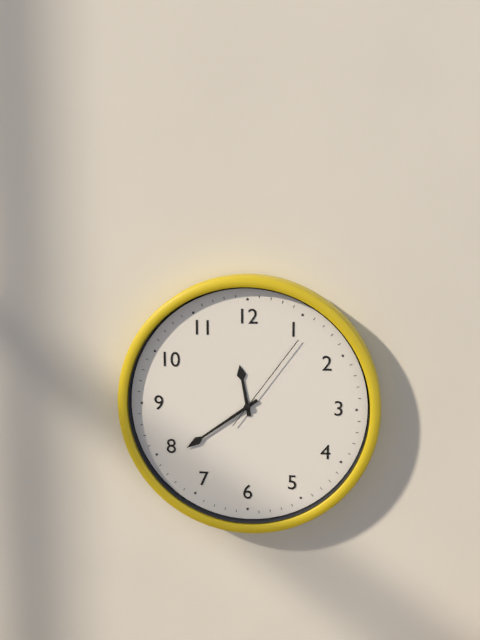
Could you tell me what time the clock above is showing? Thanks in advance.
11:39:06
